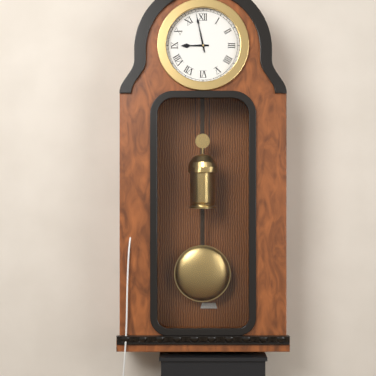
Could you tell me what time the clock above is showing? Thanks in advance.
8:58
